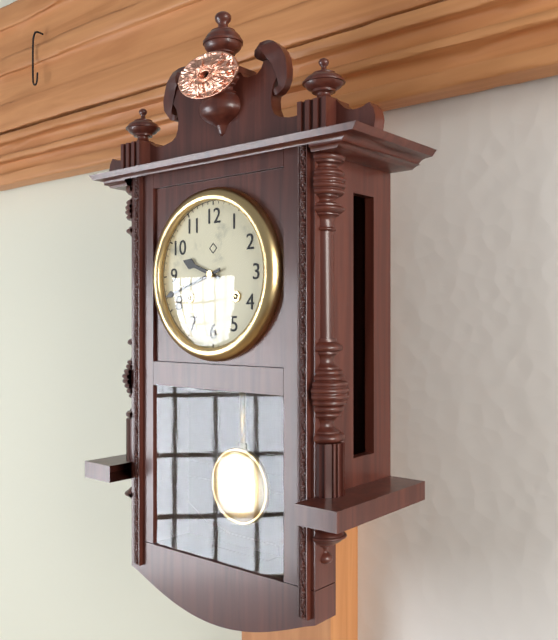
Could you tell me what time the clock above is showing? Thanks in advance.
9:42
